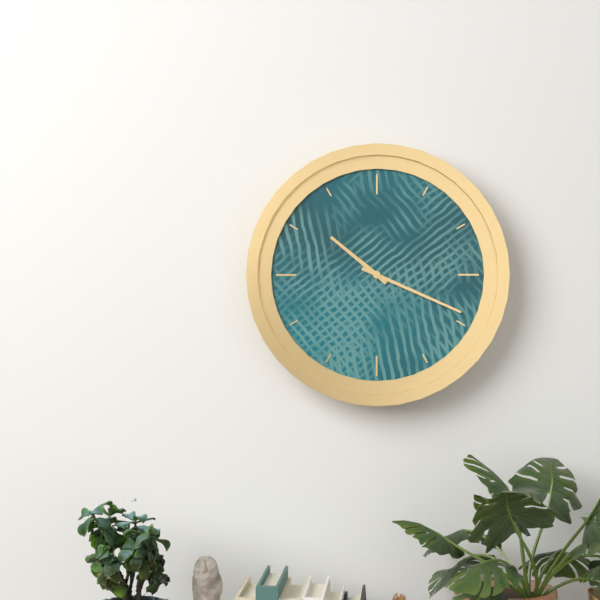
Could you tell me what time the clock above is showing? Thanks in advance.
10:19
